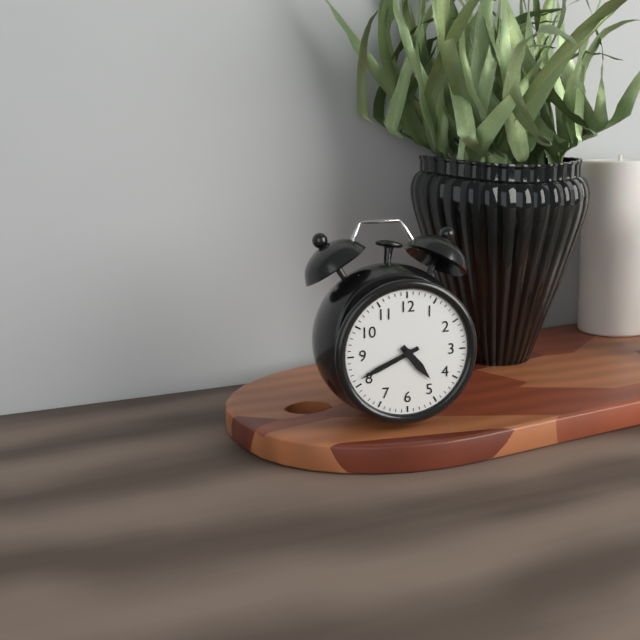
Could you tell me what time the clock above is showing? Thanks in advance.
4:41
